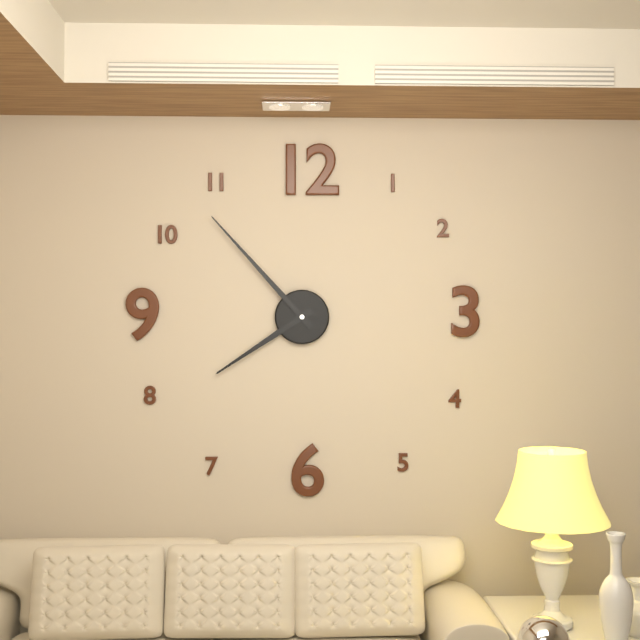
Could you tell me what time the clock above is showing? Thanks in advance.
7:53
